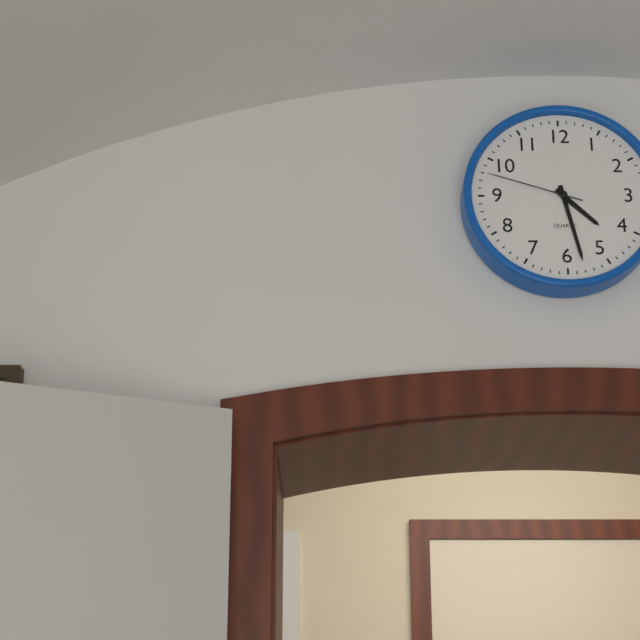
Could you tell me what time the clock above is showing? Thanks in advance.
4:28:48
